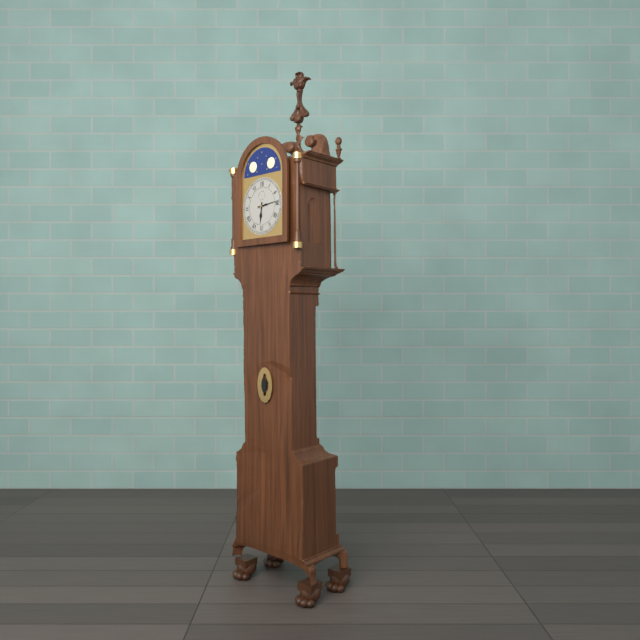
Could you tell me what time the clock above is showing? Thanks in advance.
6:14
